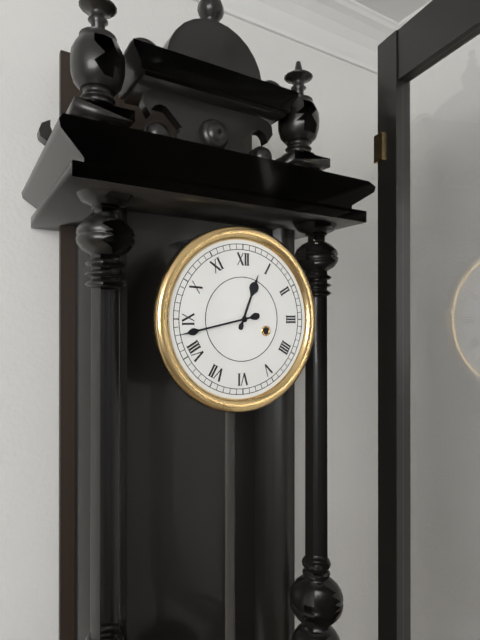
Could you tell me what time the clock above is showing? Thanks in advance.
12:43
